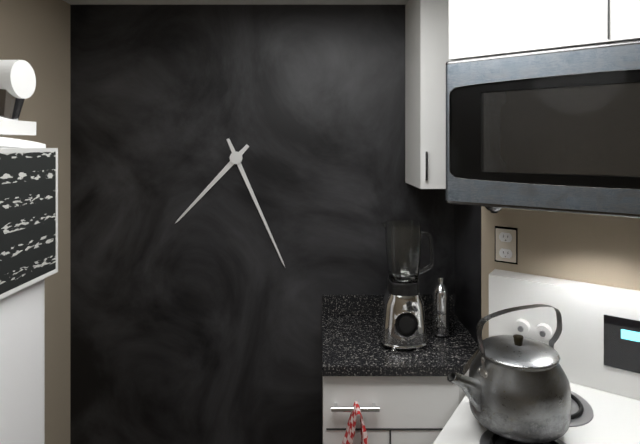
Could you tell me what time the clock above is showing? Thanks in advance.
7:26
